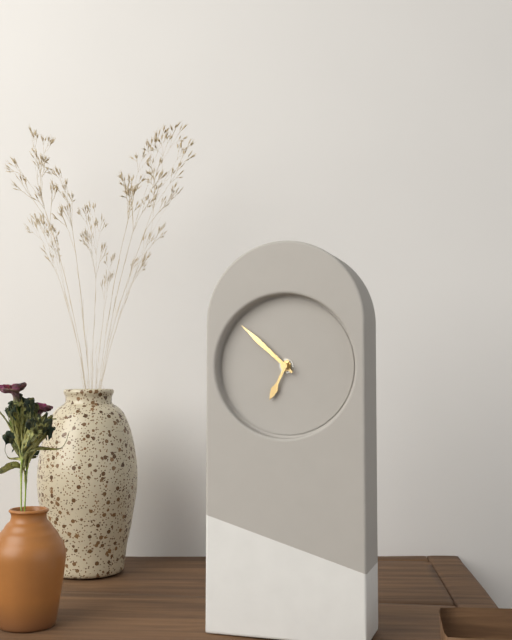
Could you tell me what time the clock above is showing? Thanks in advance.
6:52
